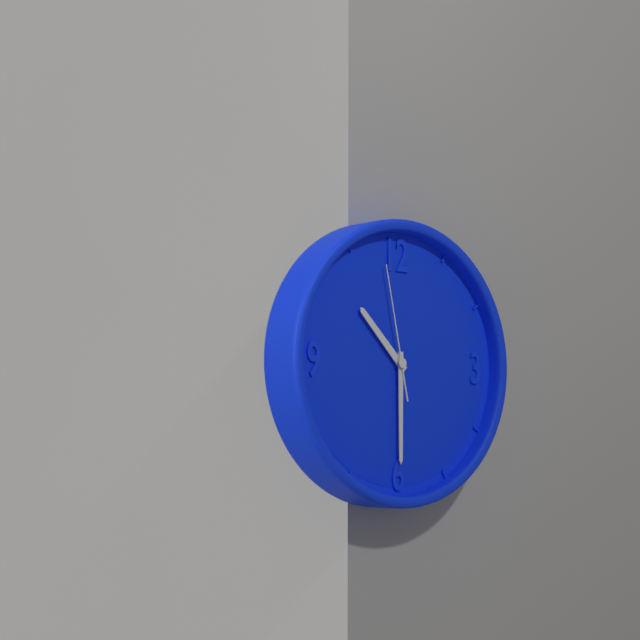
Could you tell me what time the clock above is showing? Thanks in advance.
10:30:58
